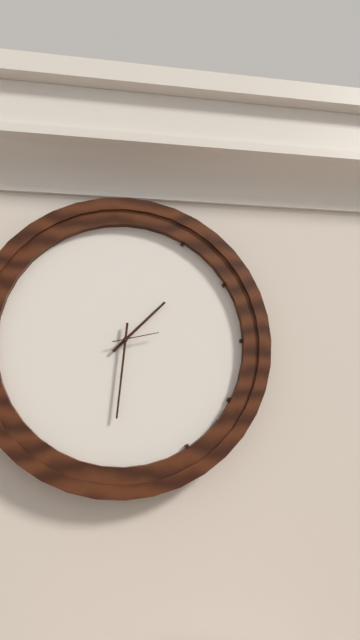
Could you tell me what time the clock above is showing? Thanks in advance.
1:31
